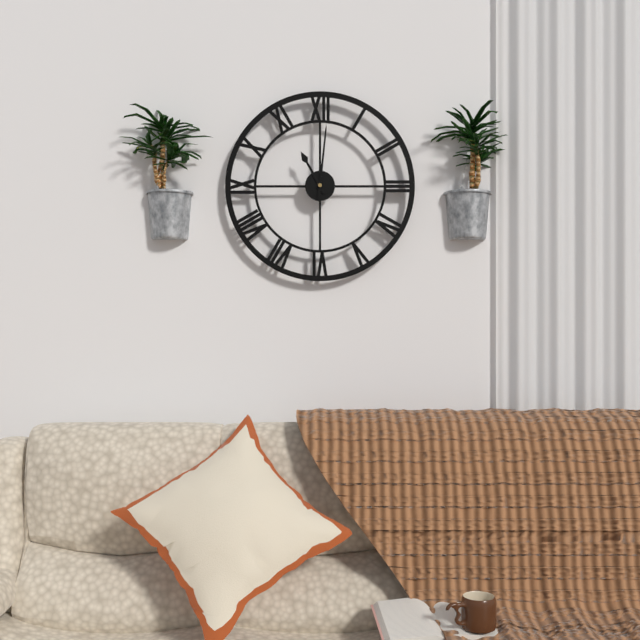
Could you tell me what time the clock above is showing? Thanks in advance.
11:01
